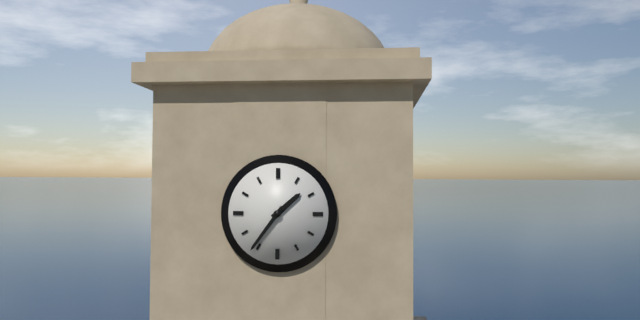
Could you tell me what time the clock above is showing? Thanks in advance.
1:36
